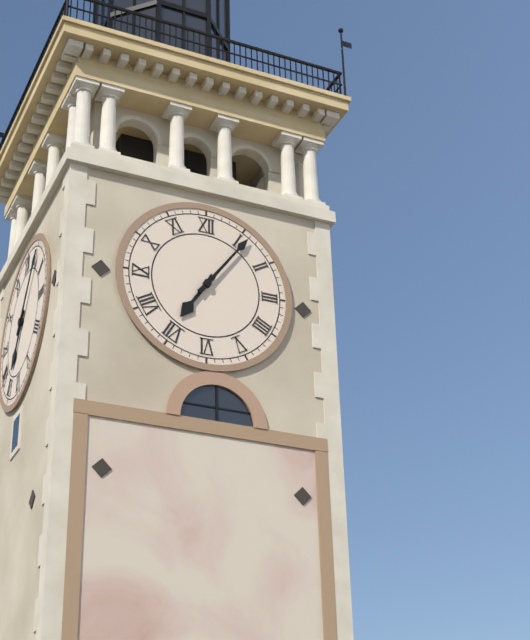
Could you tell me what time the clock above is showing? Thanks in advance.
7:06
